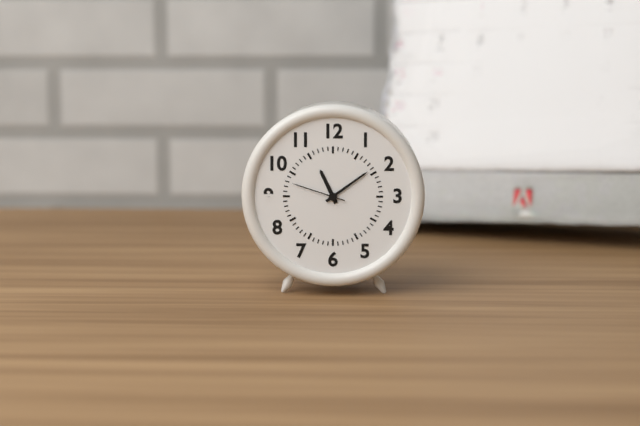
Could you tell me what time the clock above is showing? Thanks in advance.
11:09:48
